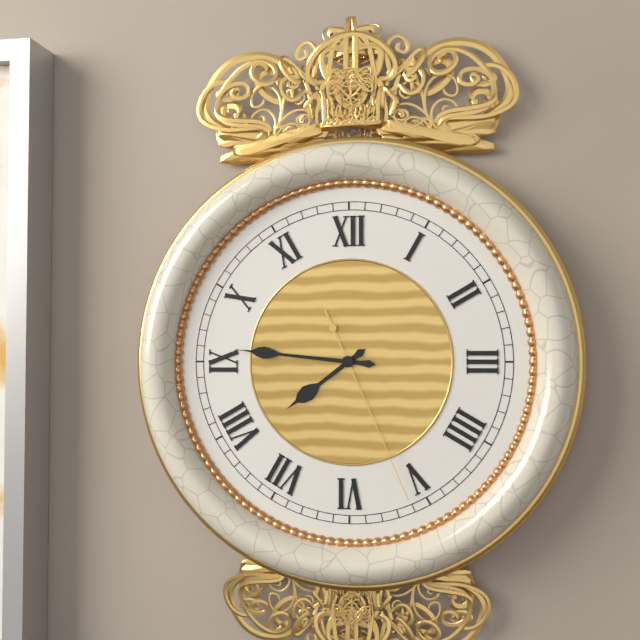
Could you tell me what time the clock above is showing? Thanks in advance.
7:46:26
